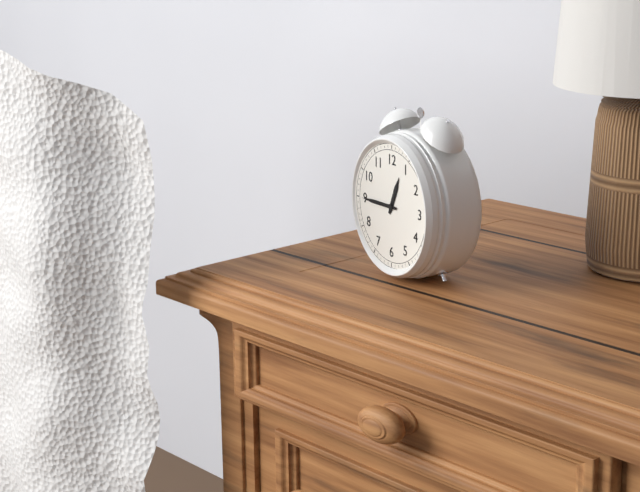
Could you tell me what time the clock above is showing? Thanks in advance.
12:45
